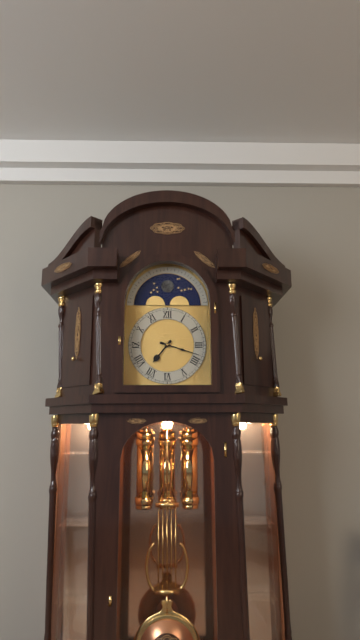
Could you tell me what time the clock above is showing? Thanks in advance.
7:18
